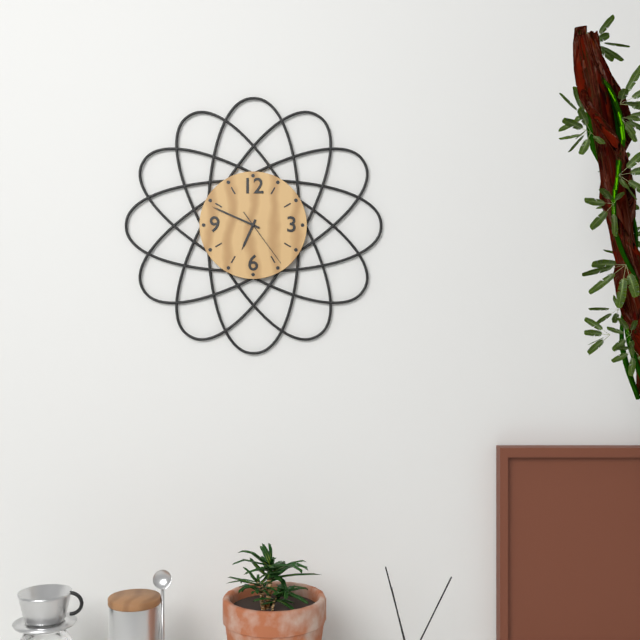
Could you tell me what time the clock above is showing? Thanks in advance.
6:49:24
